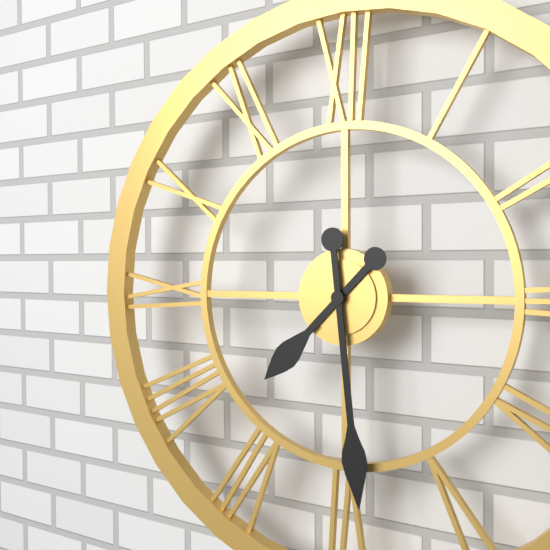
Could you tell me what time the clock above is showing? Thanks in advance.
7:29
